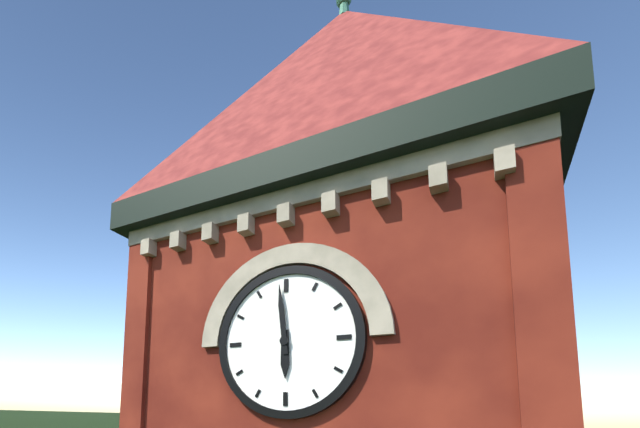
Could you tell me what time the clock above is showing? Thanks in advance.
5:59
